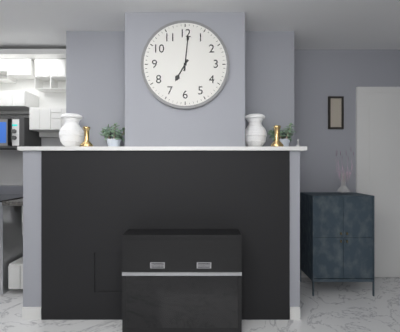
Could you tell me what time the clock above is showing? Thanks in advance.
7:01
